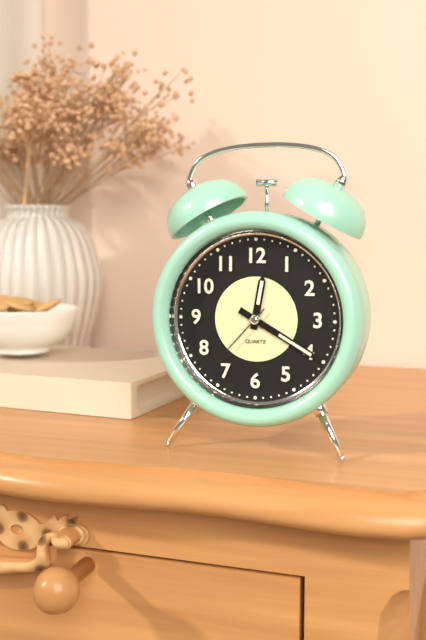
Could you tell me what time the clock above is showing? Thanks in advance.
12:20:37
